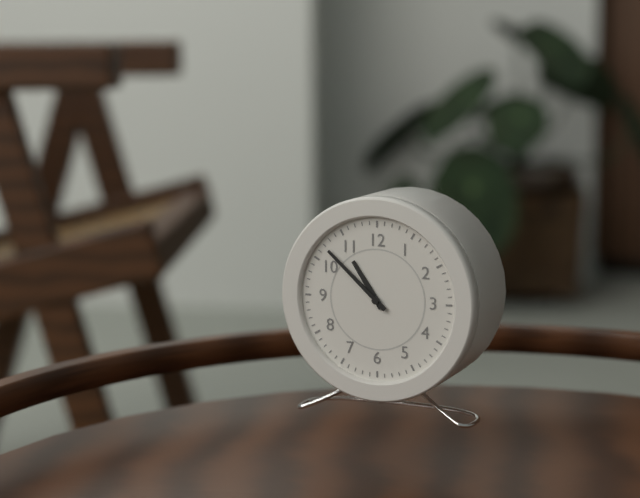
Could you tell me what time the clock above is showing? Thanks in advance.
10:52
